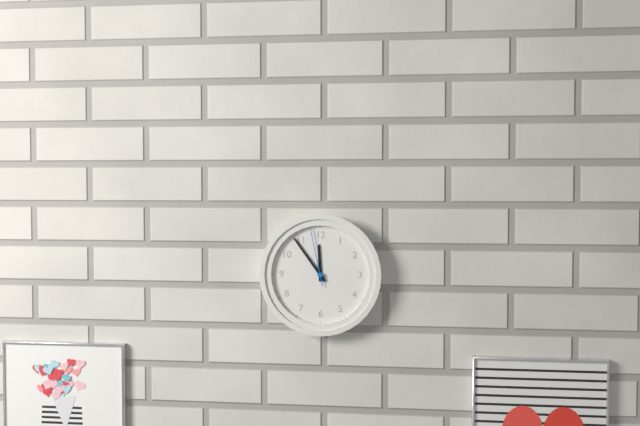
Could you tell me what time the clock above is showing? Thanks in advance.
11:54:58
